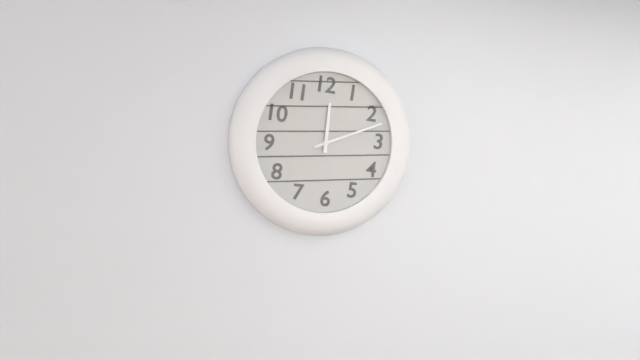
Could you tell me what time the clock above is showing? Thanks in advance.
12:12
